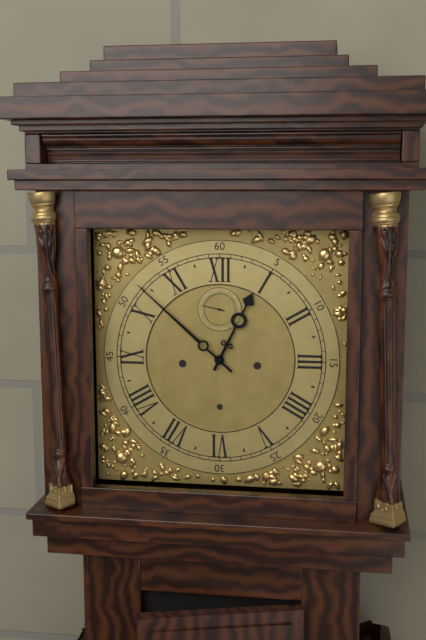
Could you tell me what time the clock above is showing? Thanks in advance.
12:52
